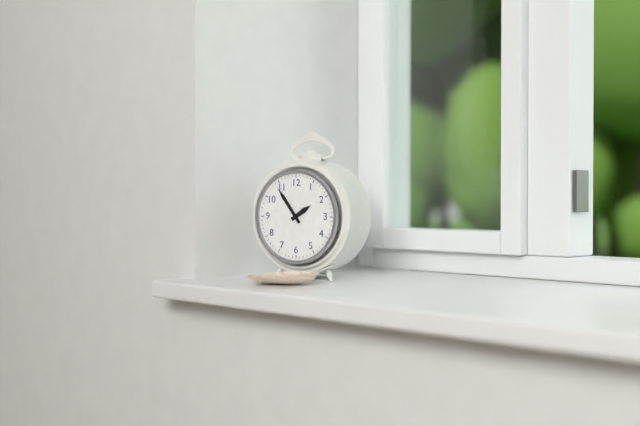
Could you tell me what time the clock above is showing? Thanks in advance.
1:54
